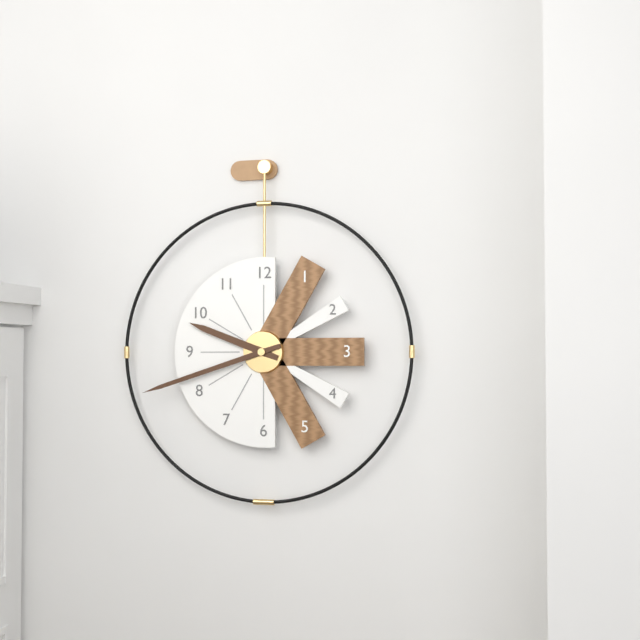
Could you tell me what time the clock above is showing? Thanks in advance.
9:42
